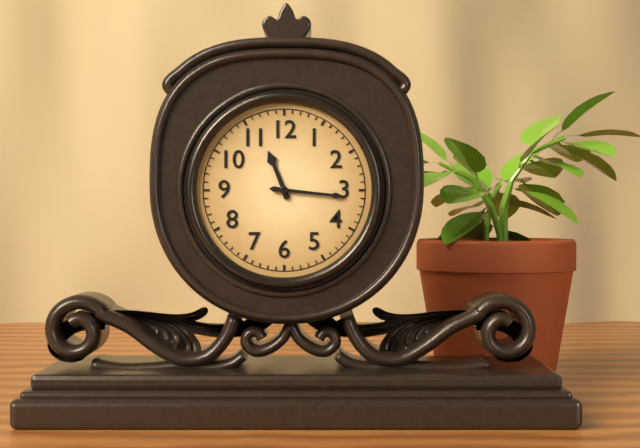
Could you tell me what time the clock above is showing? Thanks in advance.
11:16
